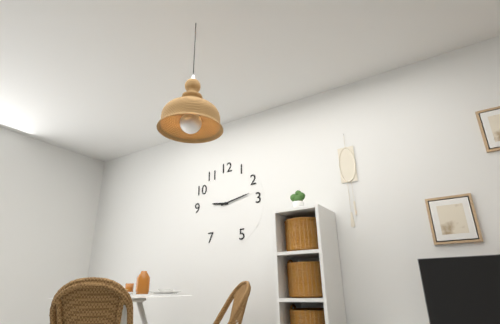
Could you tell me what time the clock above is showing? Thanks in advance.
9:13
